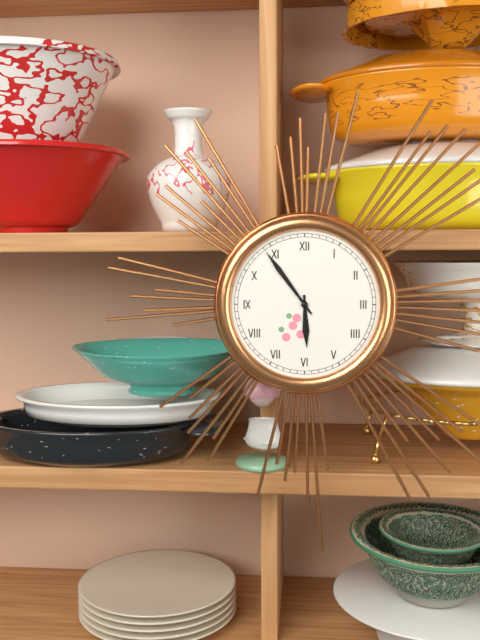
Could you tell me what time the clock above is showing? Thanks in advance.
5:54
